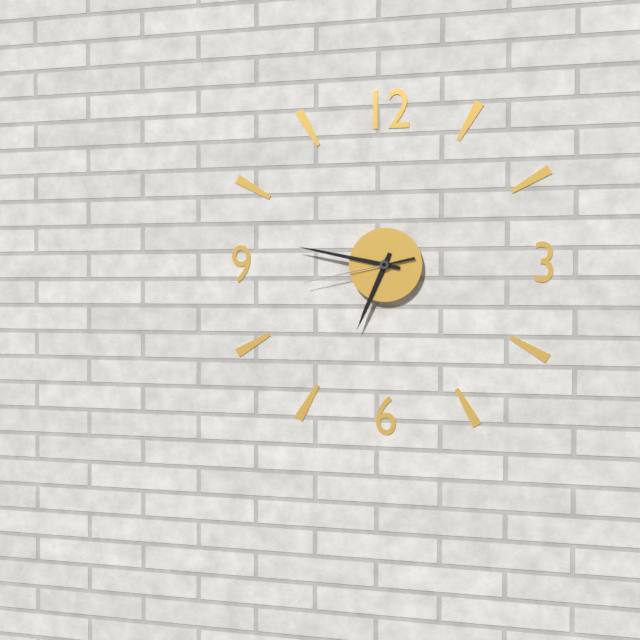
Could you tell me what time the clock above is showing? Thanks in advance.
6:47:43
